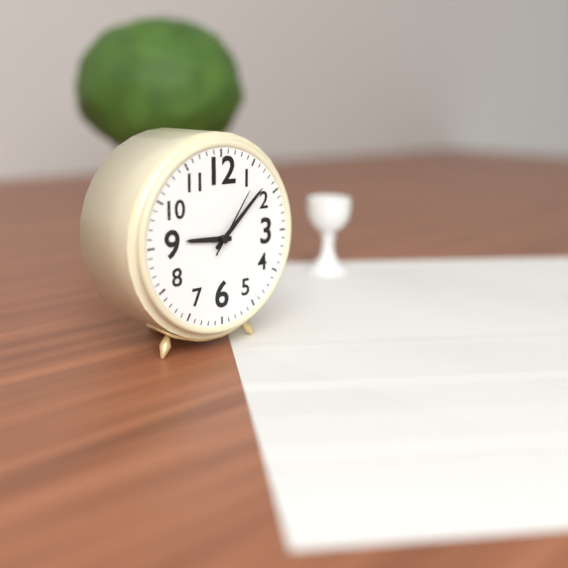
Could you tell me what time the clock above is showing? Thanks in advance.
9:08:06
